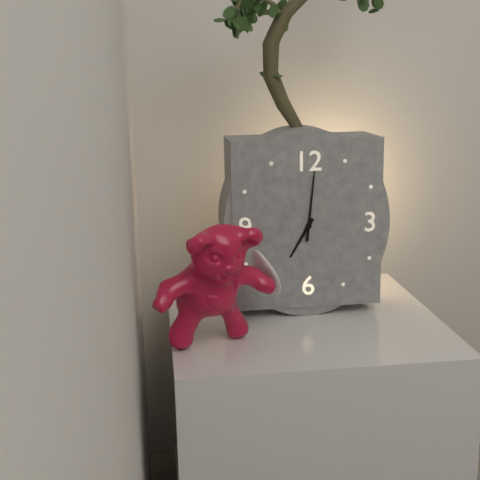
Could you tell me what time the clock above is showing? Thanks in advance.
7:01
